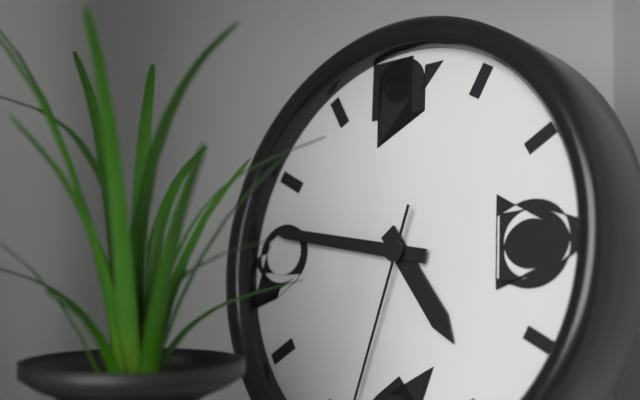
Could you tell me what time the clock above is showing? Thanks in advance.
4:47
